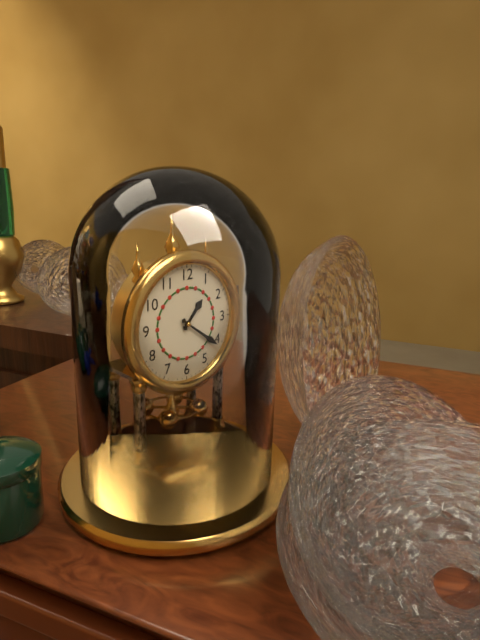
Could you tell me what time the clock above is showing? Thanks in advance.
1:21
